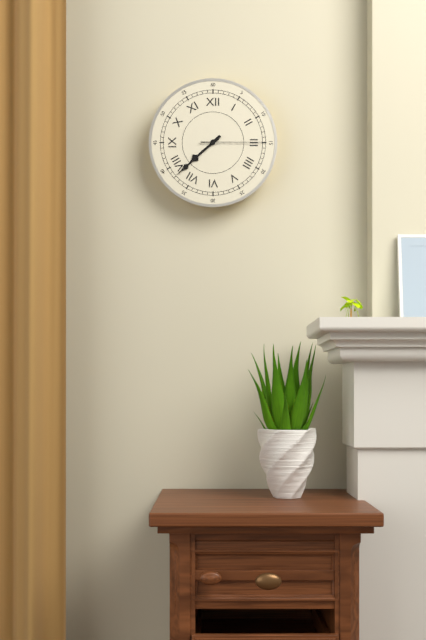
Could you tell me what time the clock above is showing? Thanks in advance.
7:38:15
